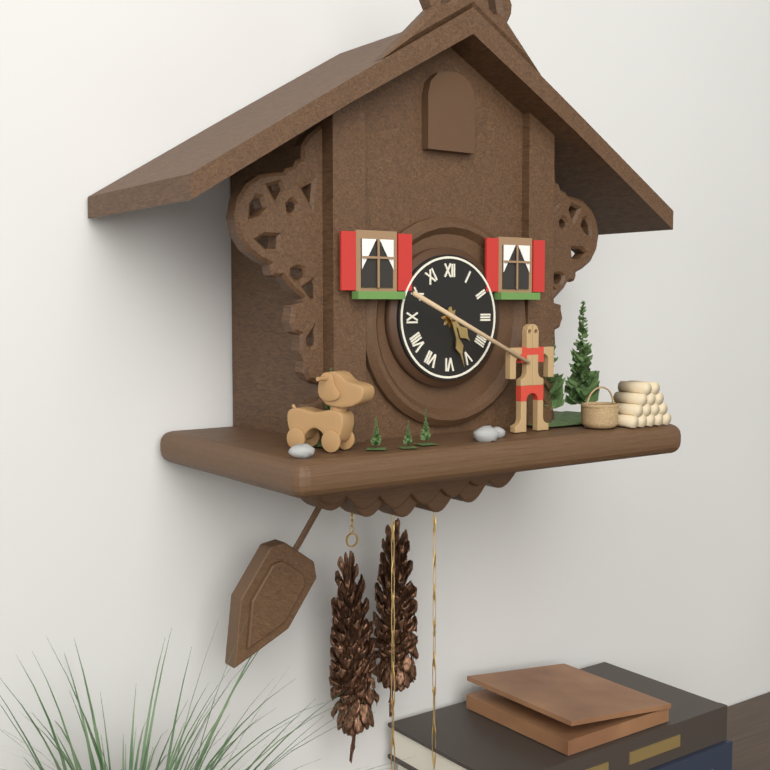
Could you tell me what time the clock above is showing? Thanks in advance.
4:27
